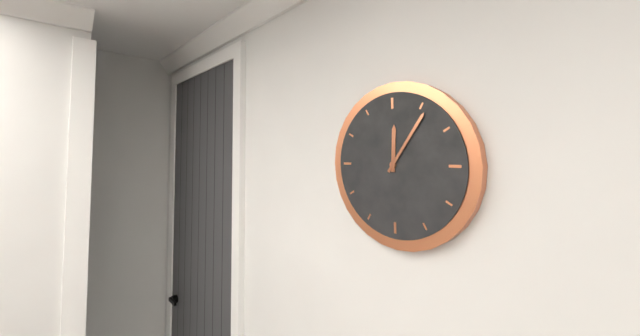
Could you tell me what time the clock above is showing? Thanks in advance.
12:06
